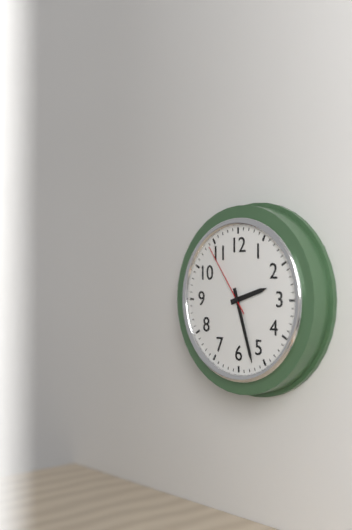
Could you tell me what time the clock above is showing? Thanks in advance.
2:27:54
